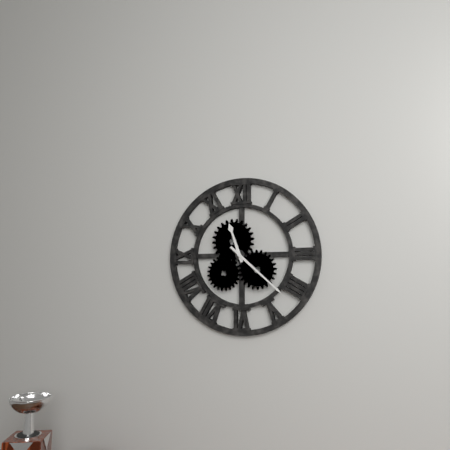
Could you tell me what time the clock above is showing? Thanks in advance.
11:22
